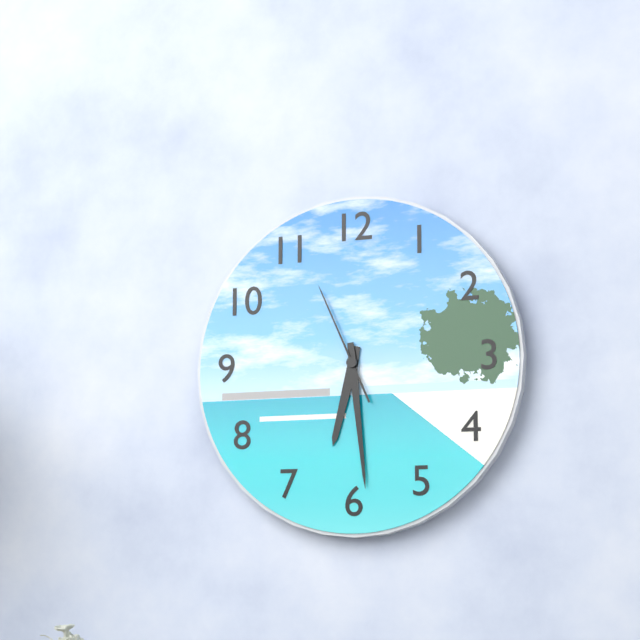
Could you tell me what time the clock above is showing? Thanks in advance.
6:29:56
